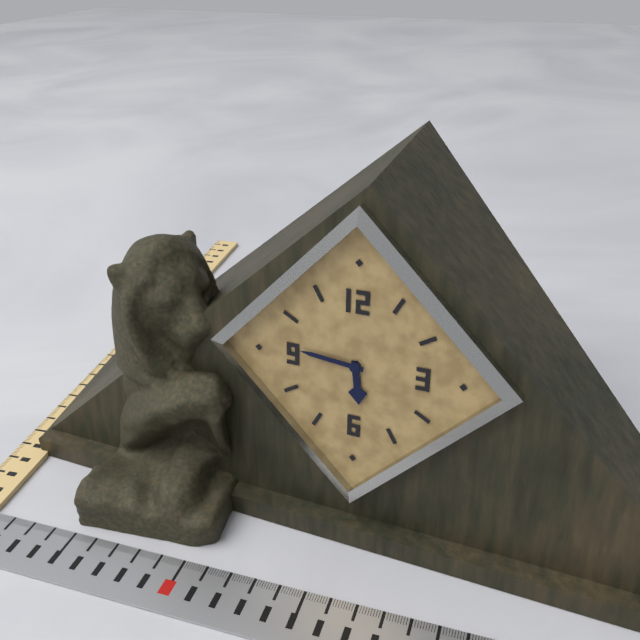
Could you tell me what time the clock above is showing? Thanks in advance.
5:46
